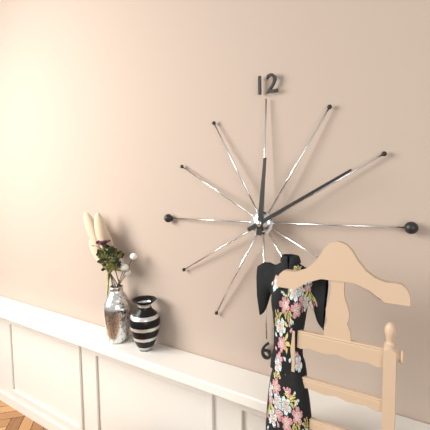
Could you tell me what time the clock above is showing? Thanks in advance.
12:10
